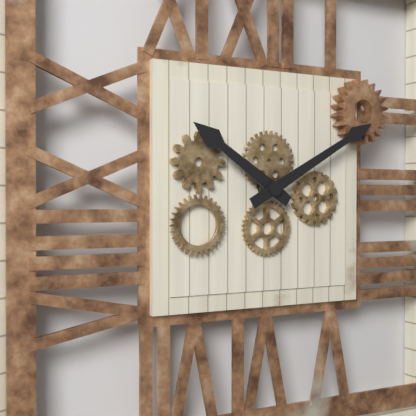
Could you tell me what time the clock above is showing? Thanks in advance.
10:10
